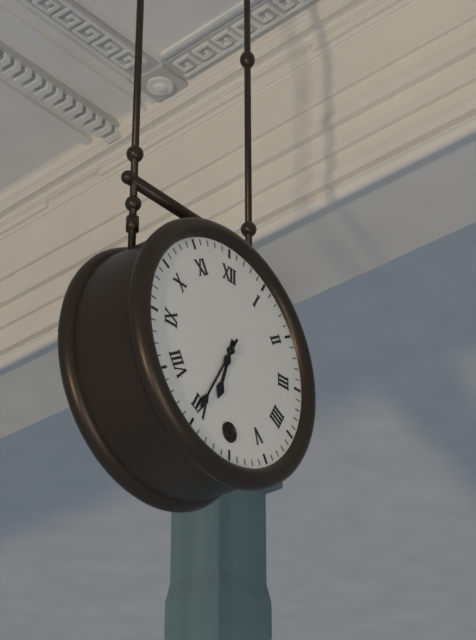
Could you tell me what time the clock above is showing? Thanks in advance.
6:35
